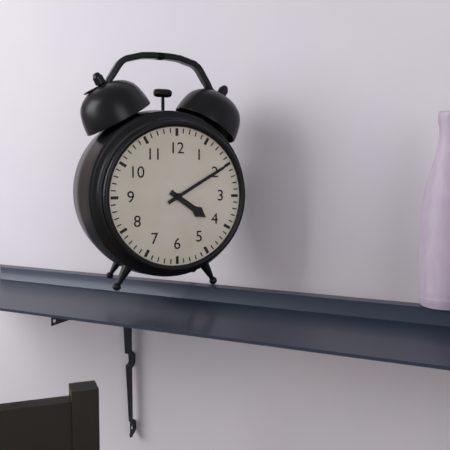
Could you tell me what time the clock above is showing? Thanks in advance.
4:10
